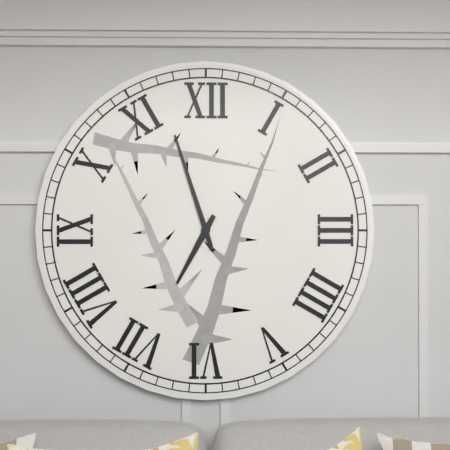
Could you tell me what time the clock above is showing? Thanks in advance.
6:57
